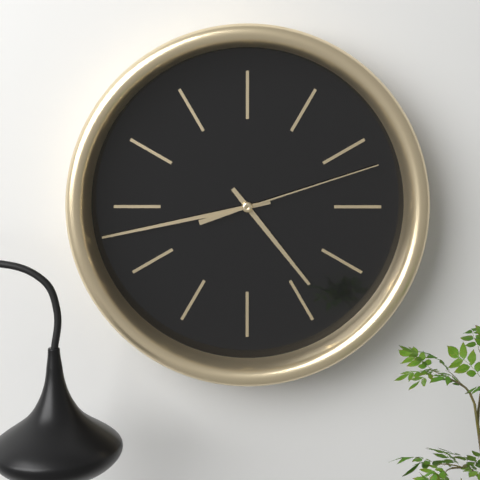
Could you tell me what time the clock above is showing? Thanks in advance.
4:43:12
